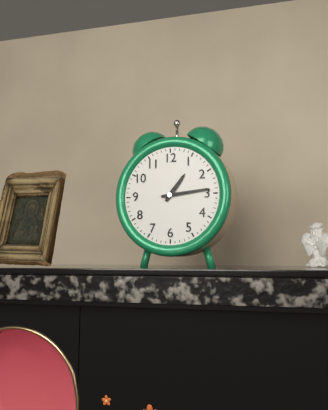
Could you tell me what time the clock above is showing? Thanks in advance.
1:14
